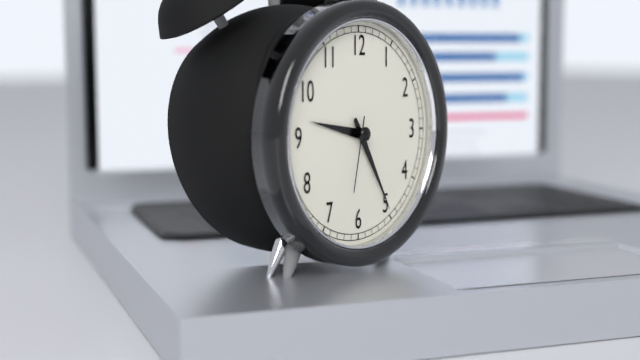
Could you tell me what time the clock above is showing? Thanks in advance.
9:25:32
